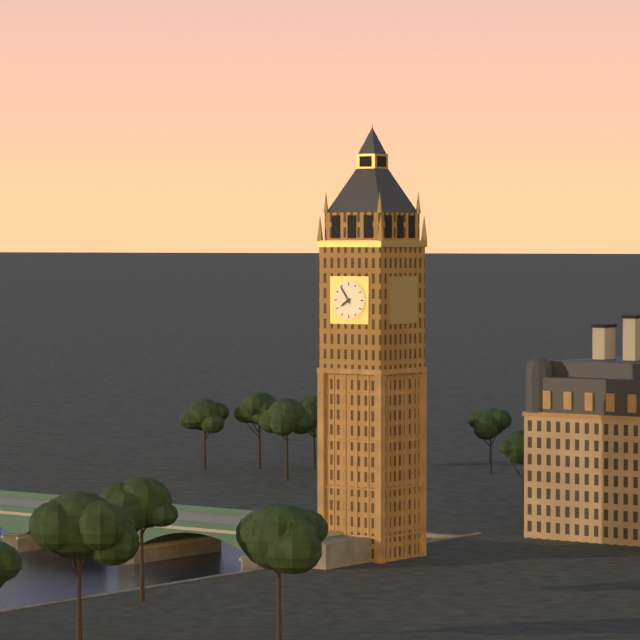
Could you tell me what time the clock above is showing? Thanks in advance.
7:54
